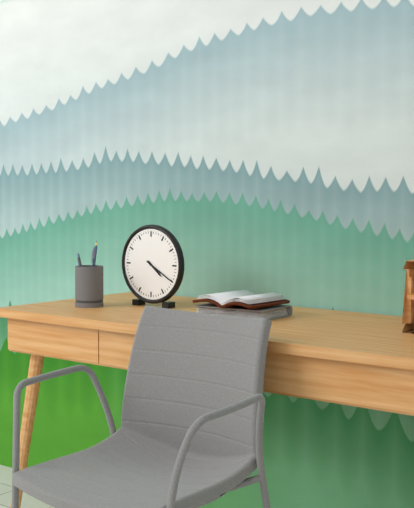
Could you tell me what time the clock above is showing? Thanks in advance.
4:20
